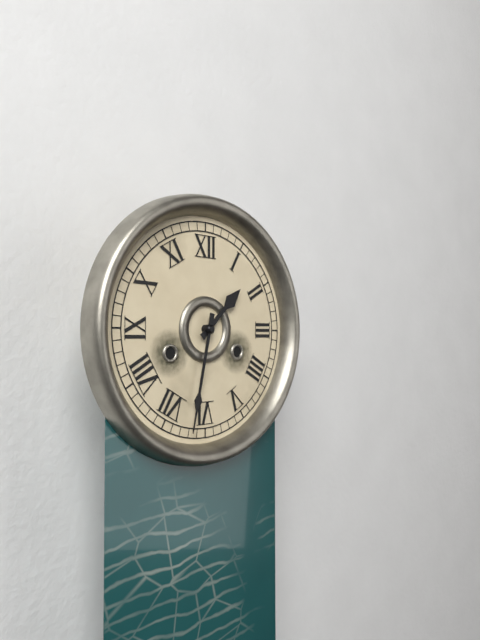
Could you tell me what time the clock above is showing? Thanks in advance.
1:32
